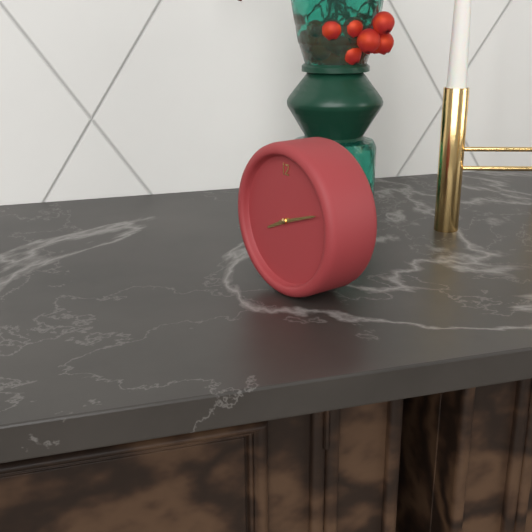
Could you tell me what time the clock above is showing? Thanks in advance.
8:12
